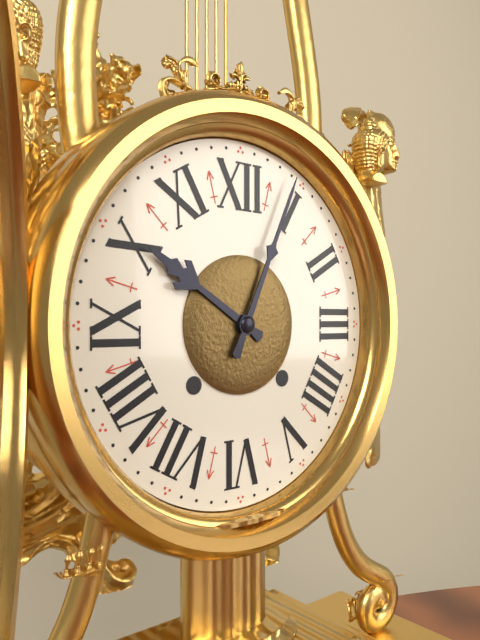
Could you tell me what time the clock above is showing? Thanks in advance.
10:04
